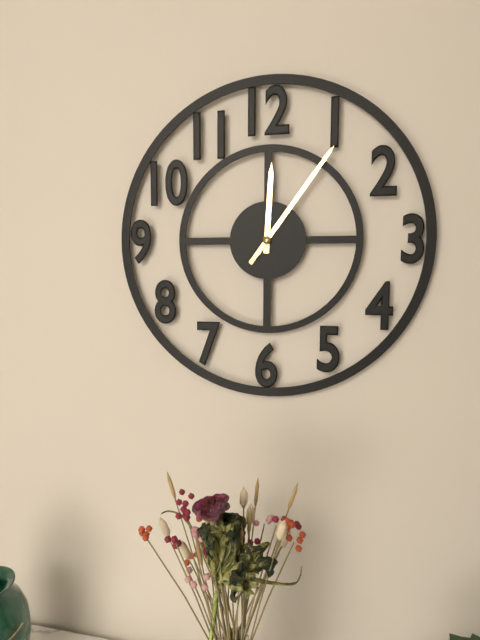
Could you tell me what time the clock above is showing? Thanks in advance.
12:06
